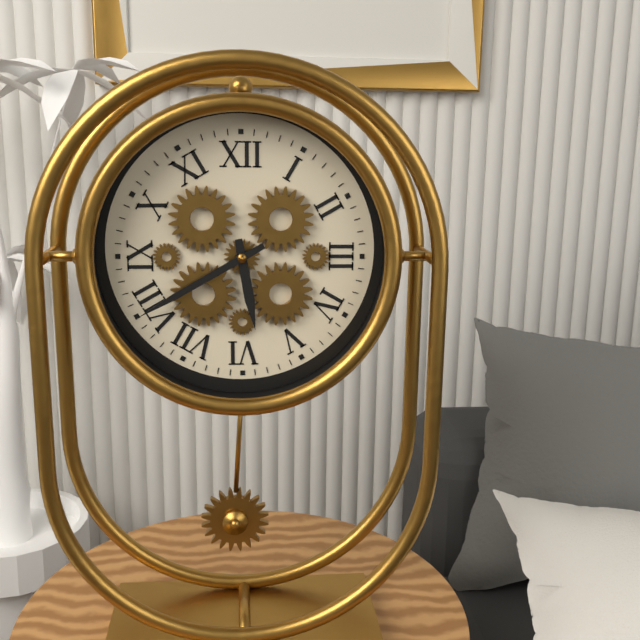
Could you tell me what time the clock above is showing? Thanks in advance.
5:40
